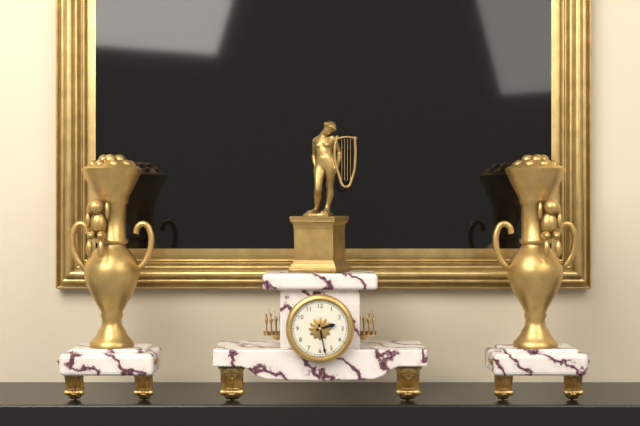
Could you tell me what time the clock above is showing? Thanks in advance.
2:28
